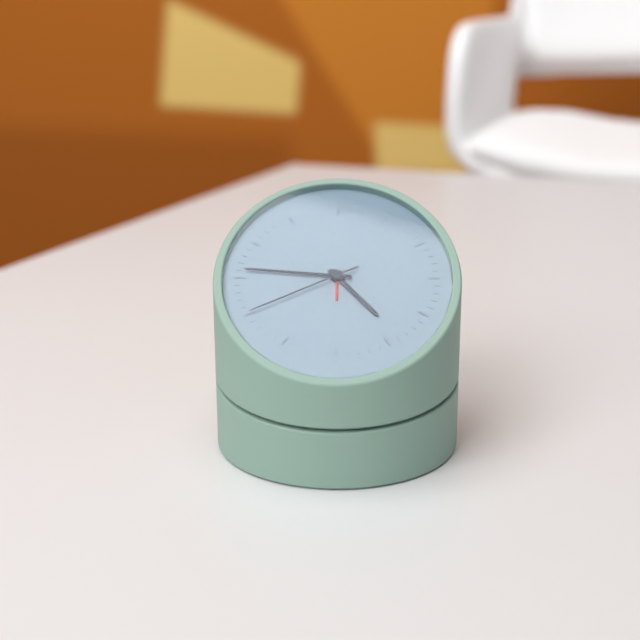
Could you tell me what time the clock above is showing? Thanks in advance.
4:46:40
